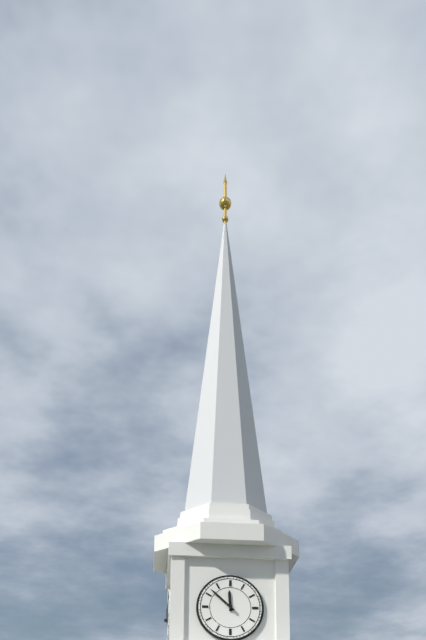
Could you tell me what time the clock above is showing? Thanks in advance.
11:52
